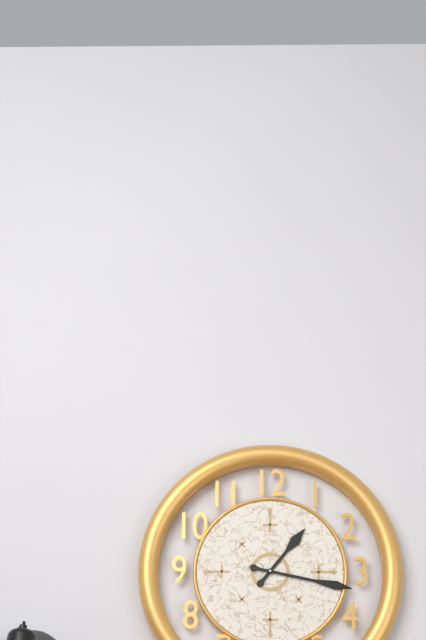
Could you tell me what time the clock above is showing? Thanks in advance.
1:17
